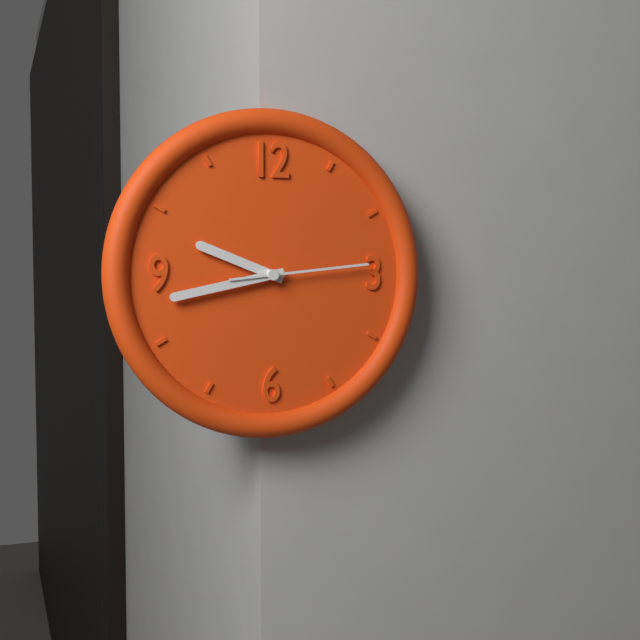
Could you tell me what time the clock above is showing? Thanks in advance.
9:43:14
